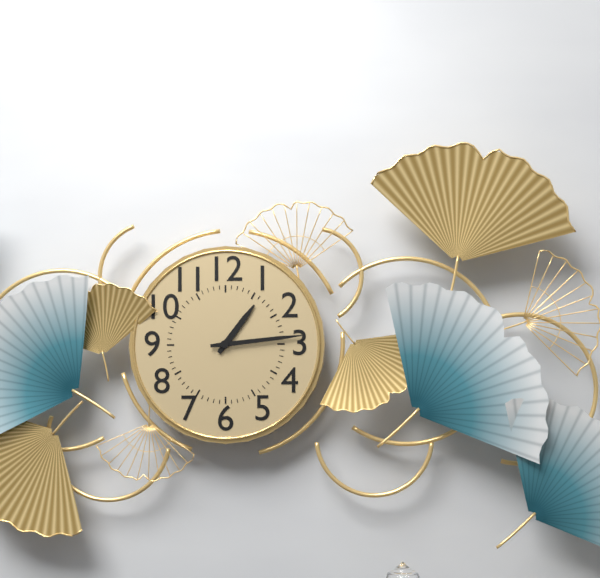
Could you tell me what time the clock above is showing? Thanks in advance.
1:14
